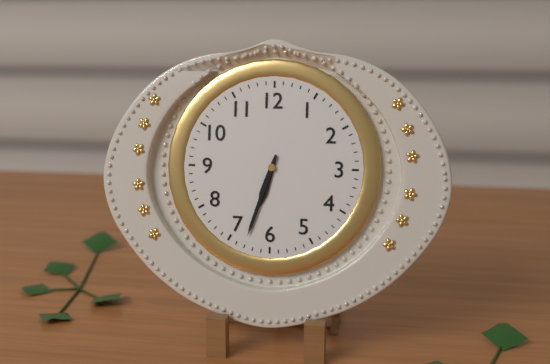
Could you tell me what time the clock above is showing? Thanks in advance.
6:33
